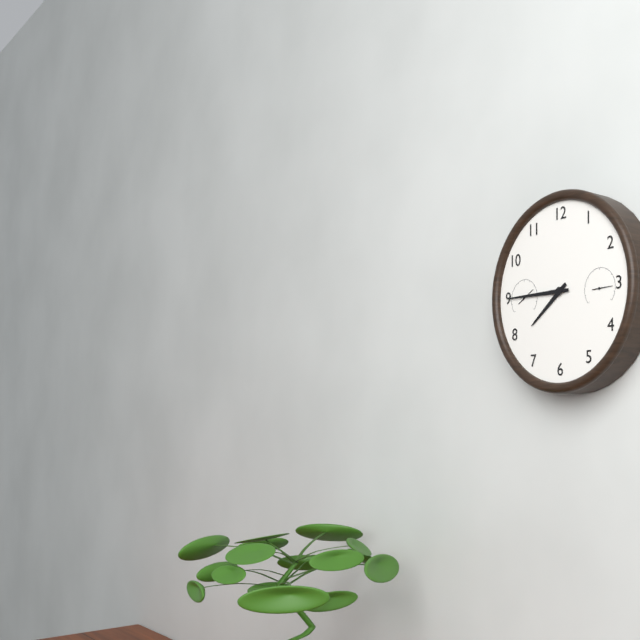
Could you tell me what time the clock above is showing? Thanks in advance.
7:45
